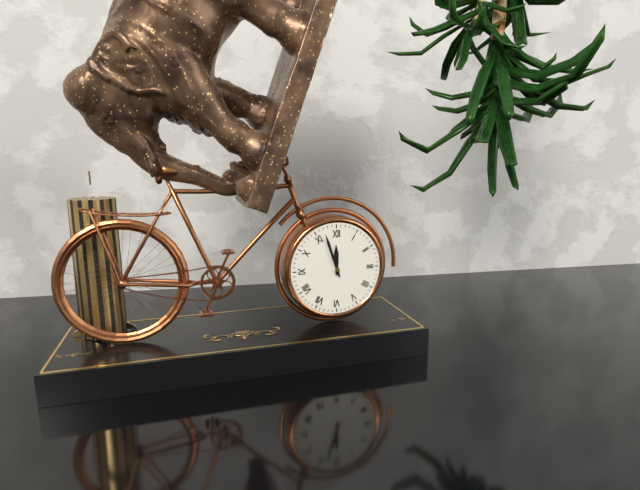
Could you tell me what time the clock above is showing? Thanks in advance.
11:57
